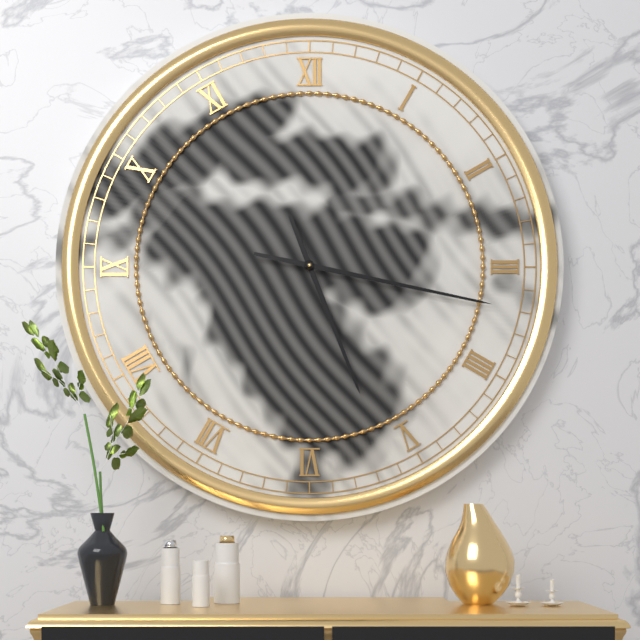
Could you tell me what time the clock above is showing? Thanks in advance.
5:17
